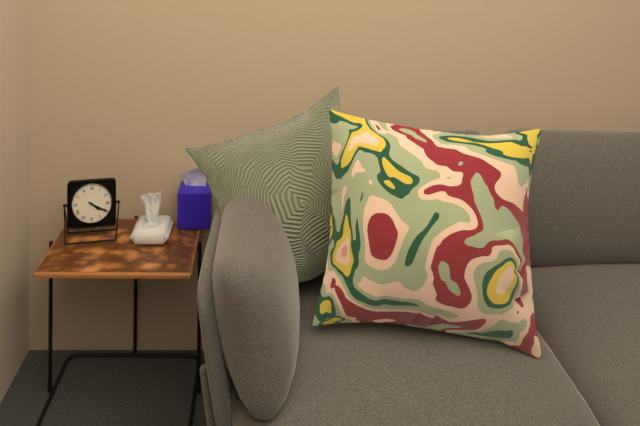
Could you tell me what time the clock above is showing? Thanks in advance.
4:20
